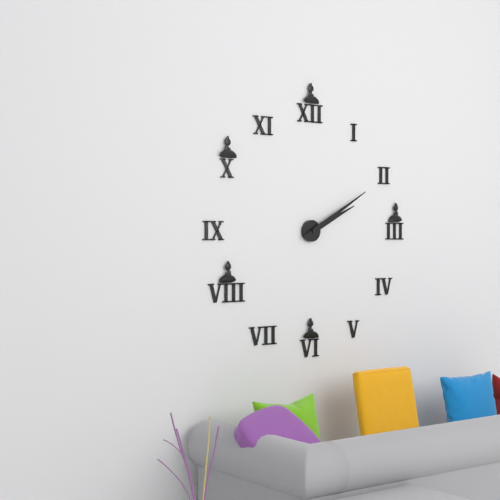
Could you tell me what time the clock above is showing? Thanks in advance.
2:10
